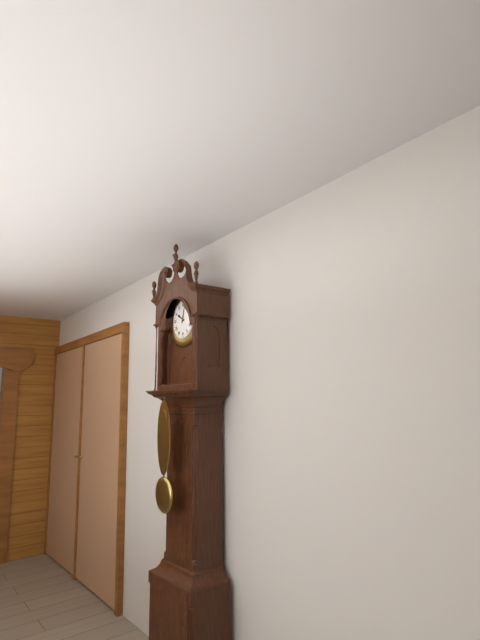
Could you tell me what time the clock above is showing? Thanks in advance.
10:03
